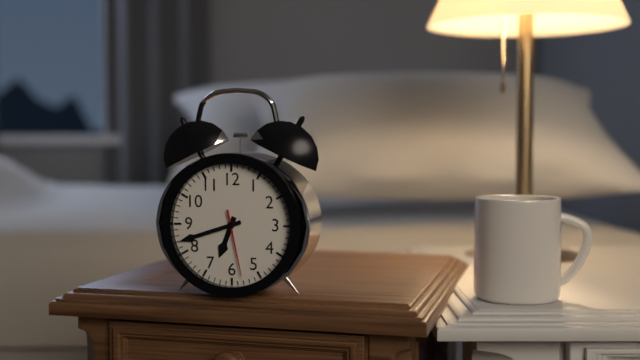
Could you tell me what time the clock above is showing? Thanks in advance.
6:42:28
